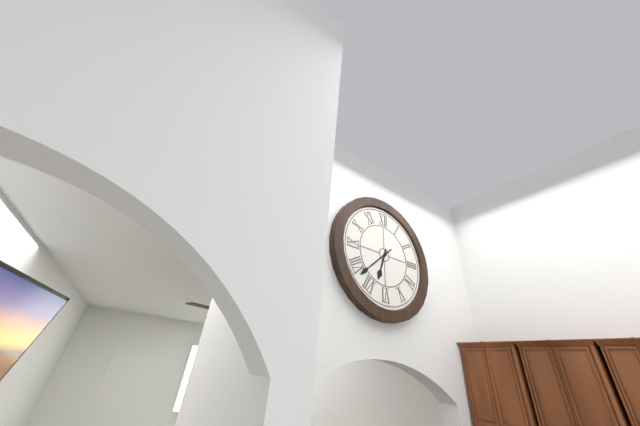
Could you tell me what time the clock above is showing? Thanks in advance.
6:38
